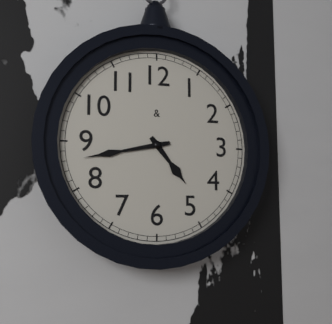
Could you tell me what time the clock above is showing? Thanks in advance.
4:43
